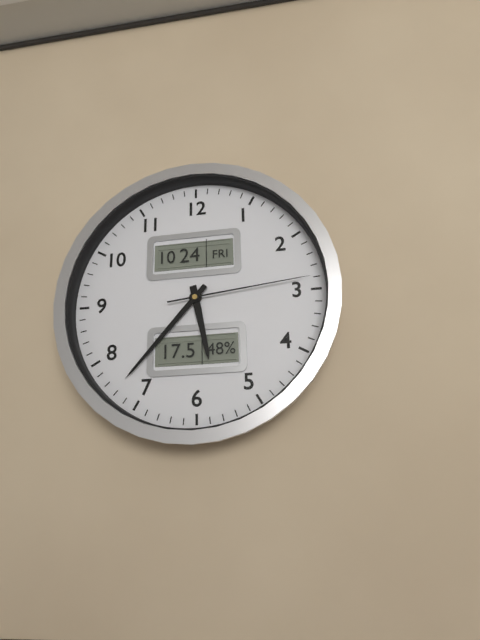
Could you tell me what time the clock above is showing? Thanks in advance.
5:37:14
